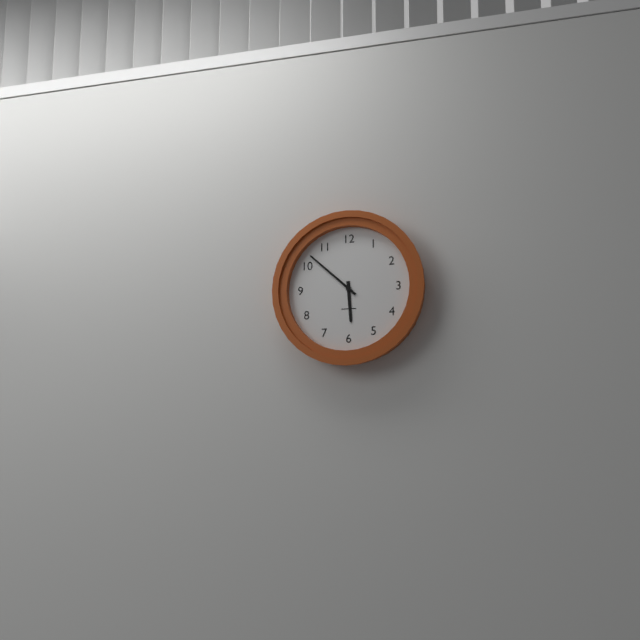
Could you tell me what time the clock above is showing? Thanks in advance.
5:52
